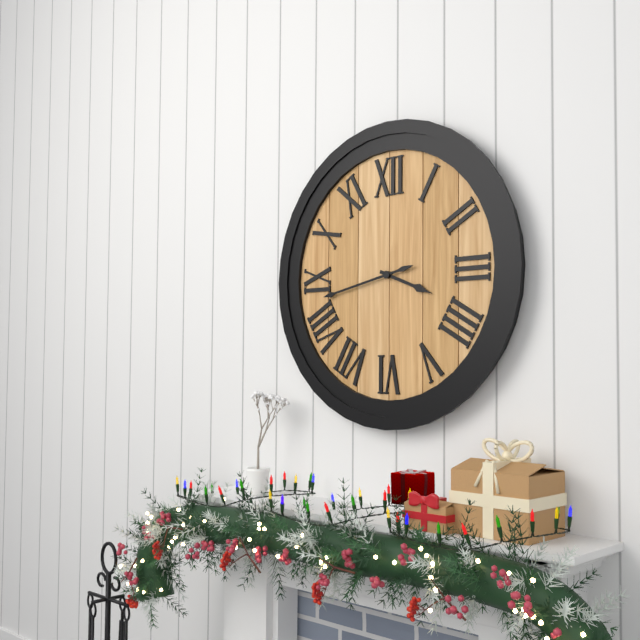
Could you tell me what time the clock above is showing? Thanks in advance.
3:43
